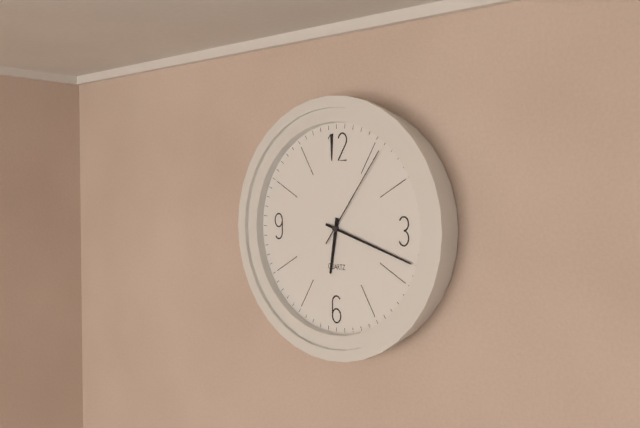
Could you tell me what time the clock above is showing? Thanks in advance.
6:18:06
